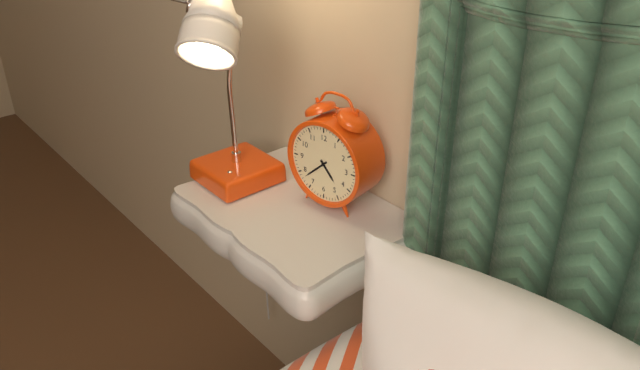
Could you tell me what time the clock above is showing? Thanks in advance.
4:38
